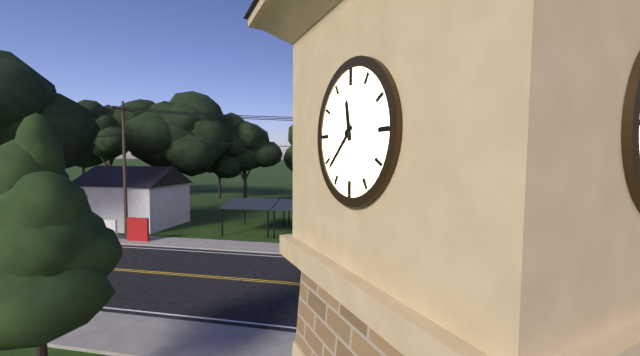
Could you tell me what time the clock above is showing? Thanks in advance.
11:38
